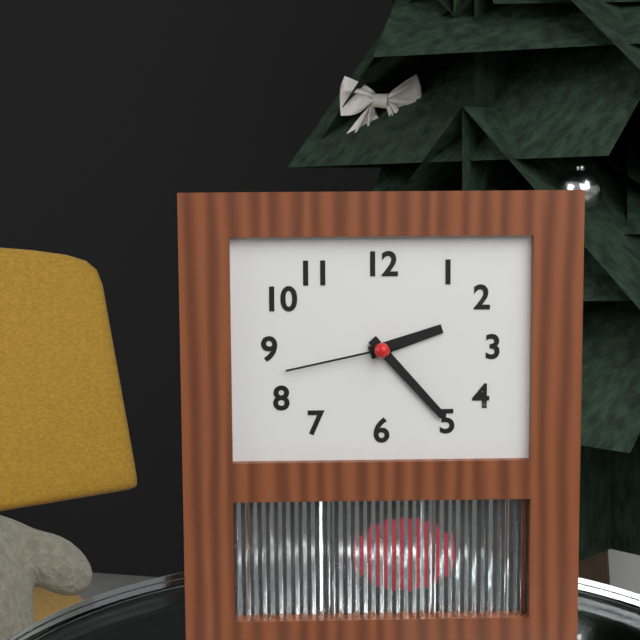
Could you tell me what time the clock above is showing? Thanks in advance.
2:23:43
